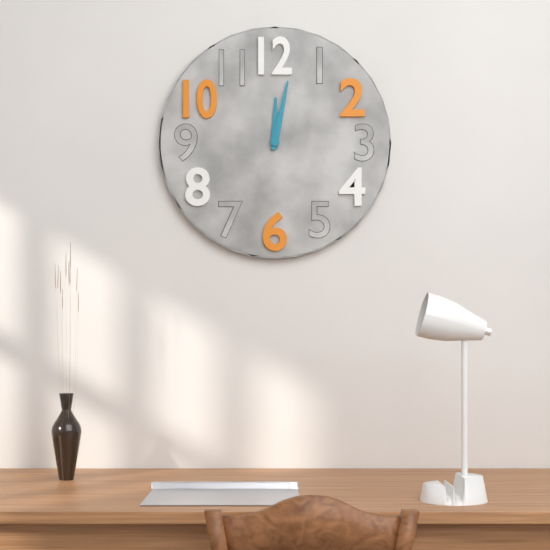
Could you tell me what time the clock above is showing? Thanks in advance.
12:02
